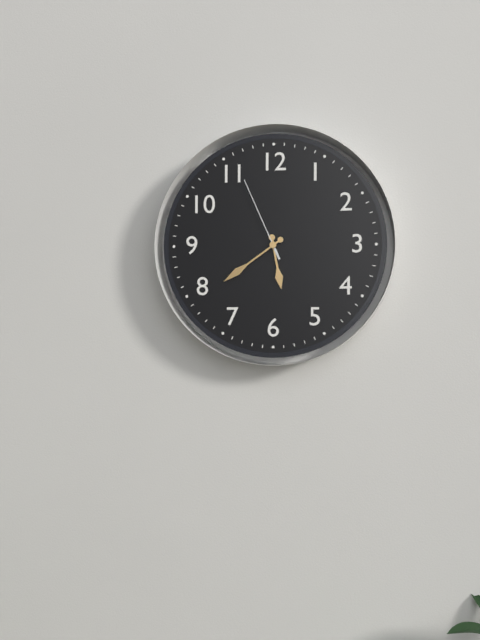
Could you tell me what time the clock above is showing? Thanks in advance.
5:39:56
